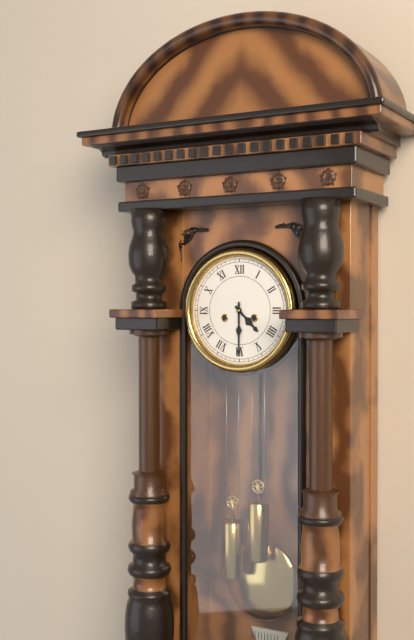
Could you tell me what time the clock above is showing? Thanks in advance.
4:30
